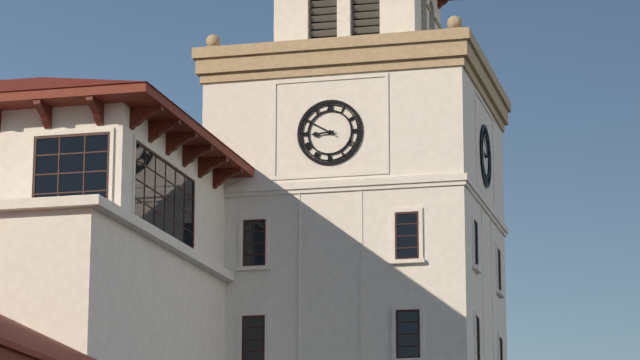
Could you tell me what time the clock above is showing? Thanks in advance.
8:50
